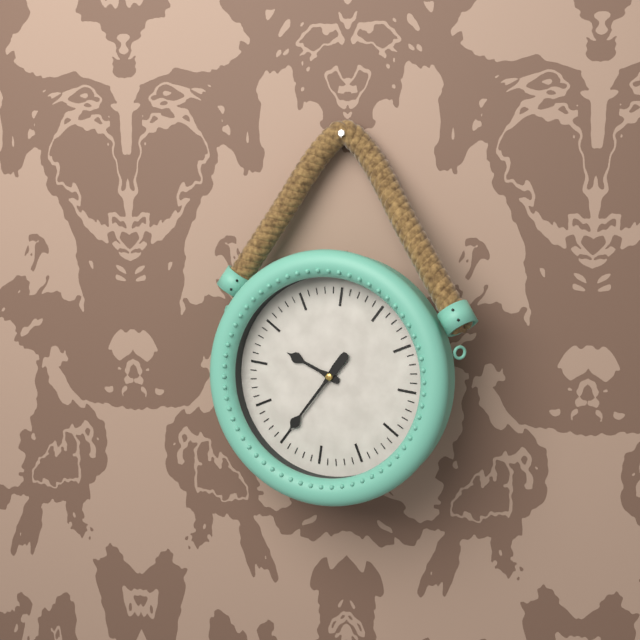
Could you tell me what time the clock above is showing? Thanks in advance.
9:35
